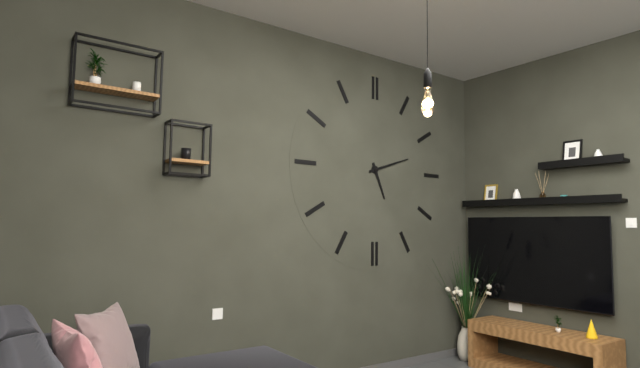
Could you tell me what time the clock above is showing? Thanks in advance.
5:12
